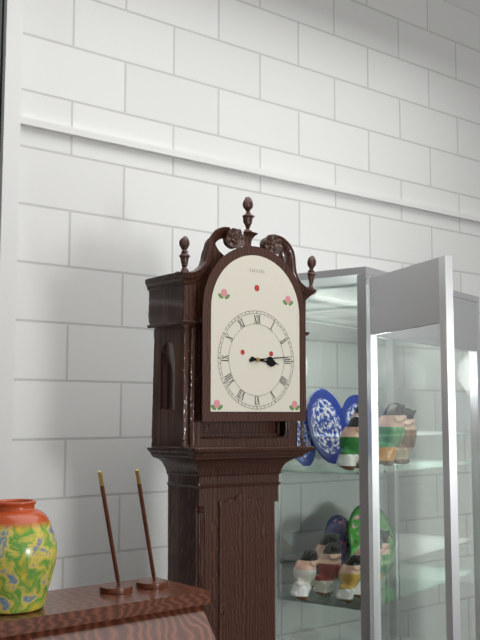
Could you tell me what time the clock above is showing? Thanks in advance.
3:14
